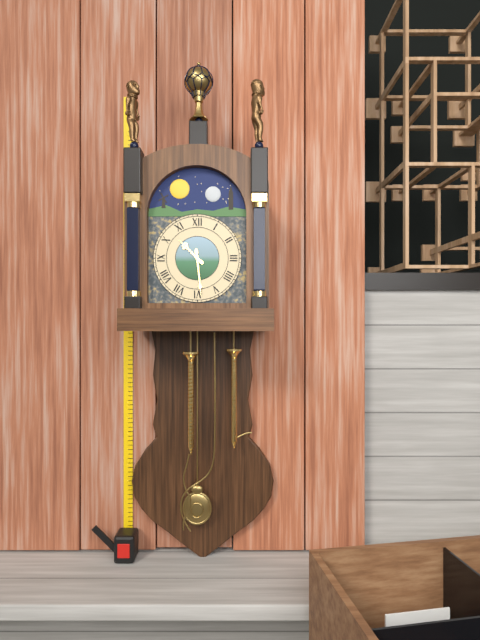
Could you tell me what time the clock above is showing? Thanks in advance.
10:29
